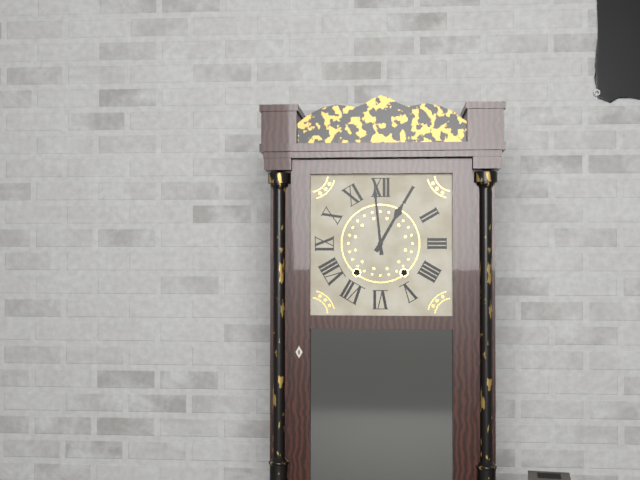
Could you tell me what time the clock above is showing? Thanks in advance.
12:59
